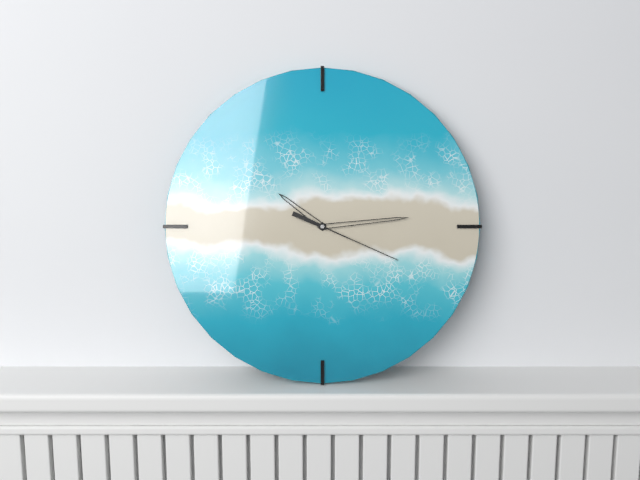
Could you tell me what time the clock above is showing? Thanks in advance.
10:14:19
